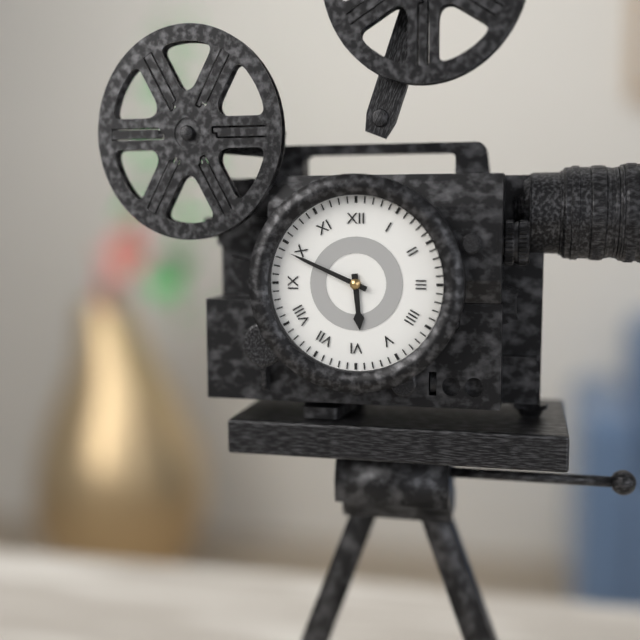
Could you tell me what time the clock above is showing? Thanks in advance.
5:49
